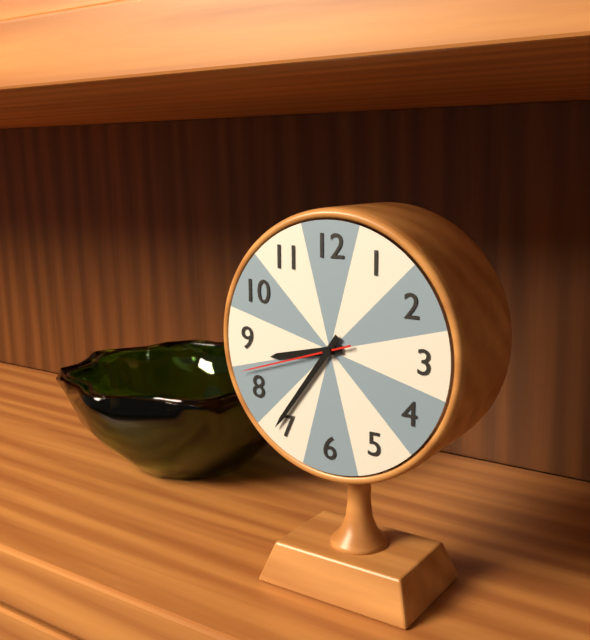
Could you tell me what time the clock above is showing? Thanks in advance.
8:36:42
